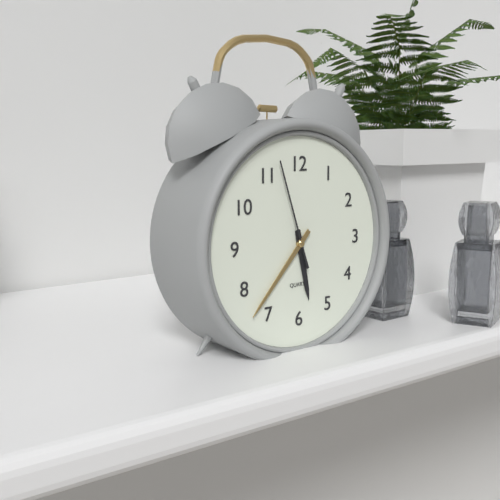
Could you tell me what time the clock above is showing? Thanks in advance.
5:37:57
